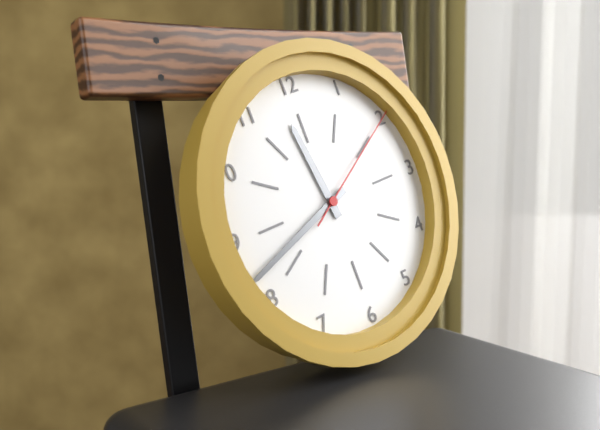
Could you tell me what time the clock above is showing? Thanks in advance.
11:42:10
